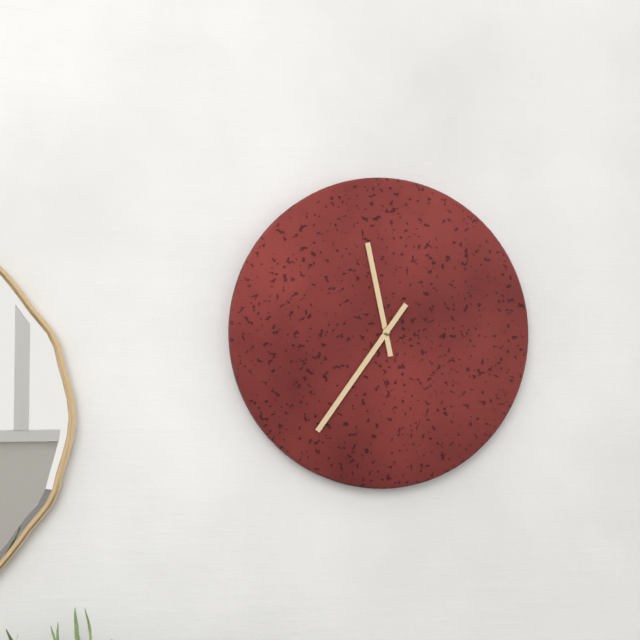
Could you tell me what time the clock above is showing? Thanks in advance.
11:36
